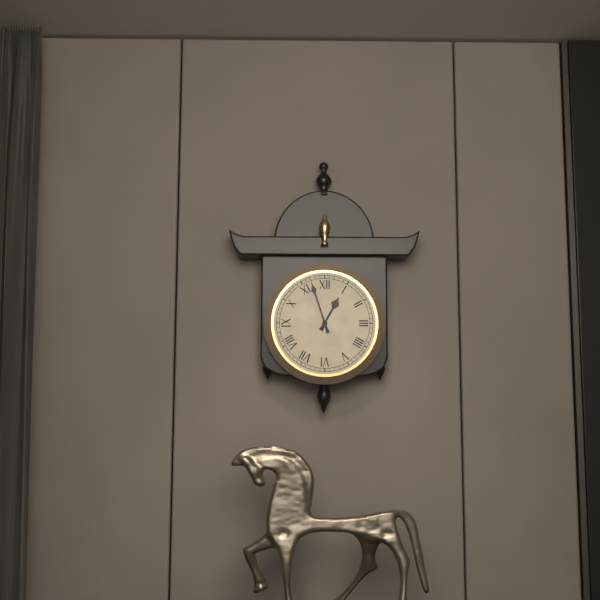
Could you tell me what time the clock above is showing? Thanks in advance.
12:57
